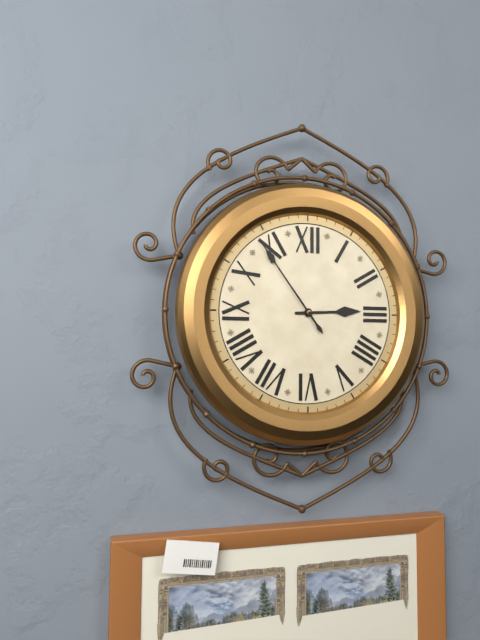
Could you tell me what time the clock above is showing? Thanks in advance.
2:54
